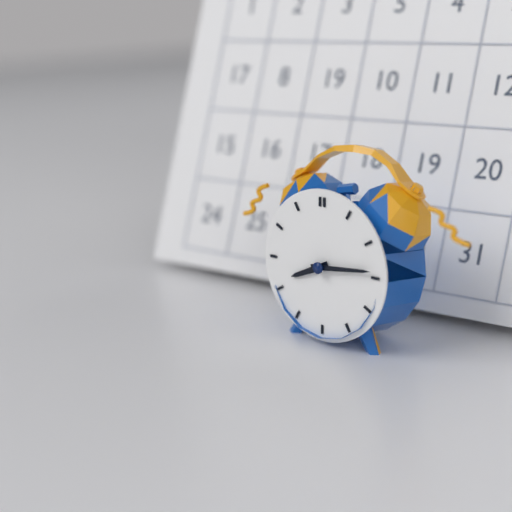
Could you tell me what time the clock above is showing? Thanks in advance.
8:14
